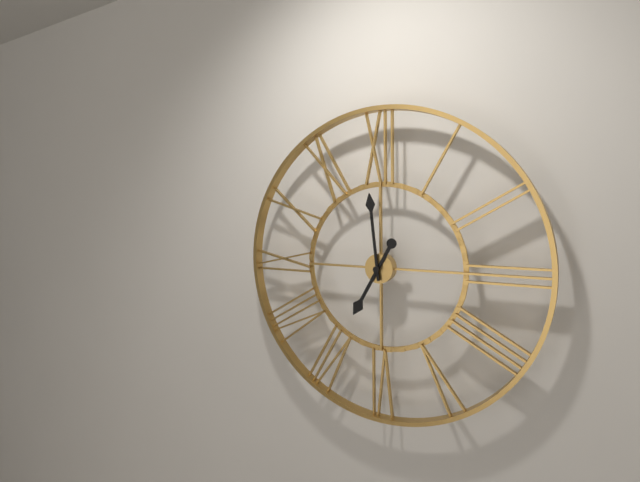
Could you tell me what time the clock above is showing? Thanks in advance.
6:59
